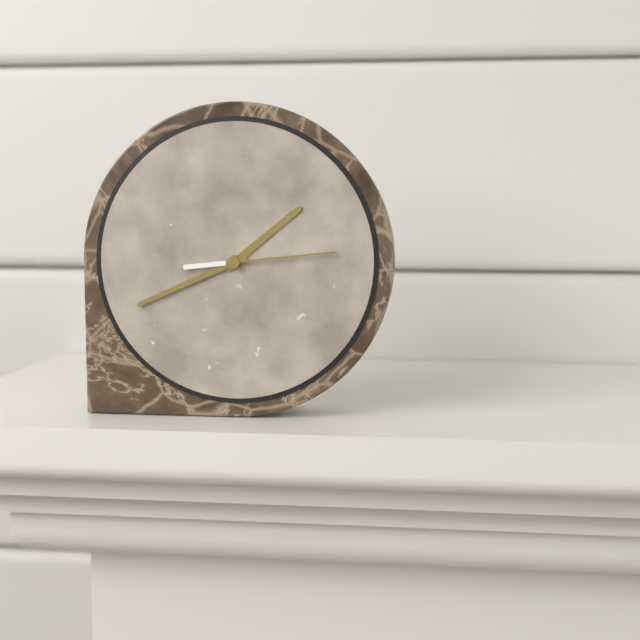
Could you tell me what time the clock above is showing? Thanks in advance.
1:41:14
